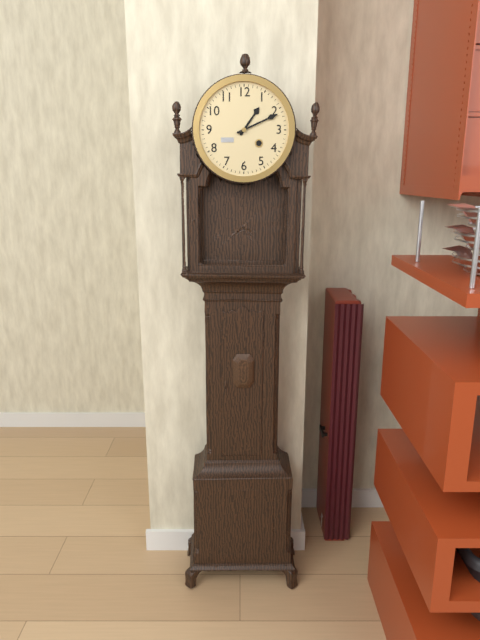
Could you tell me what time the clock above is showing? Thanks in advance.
1:11
